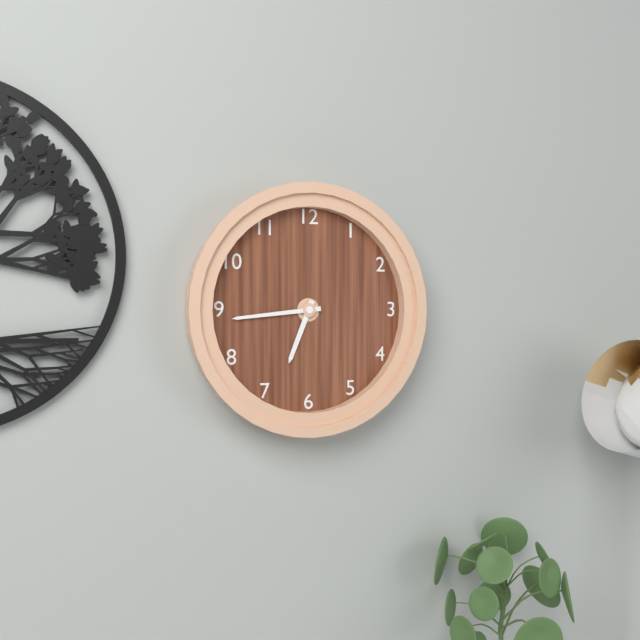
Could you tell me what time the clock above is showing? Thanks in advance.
6:44
